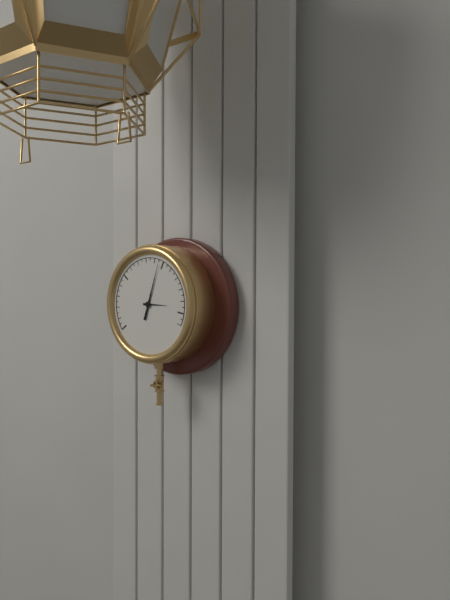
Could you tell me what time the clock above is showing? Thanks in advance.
3:03
